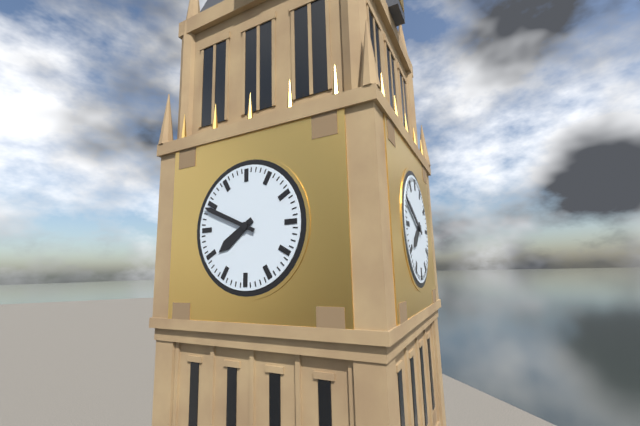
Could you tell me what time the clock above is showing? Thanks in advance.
7:49
